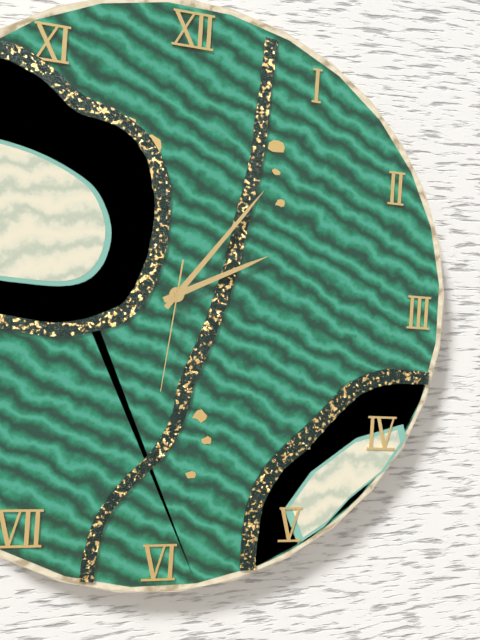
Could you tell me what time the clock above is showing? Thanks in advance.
2:06:31
